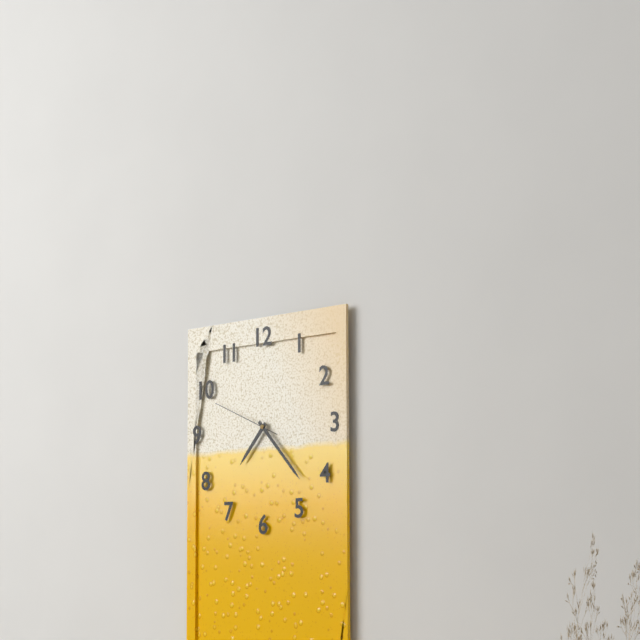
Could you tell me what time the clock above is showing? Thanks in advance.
7:23:49
